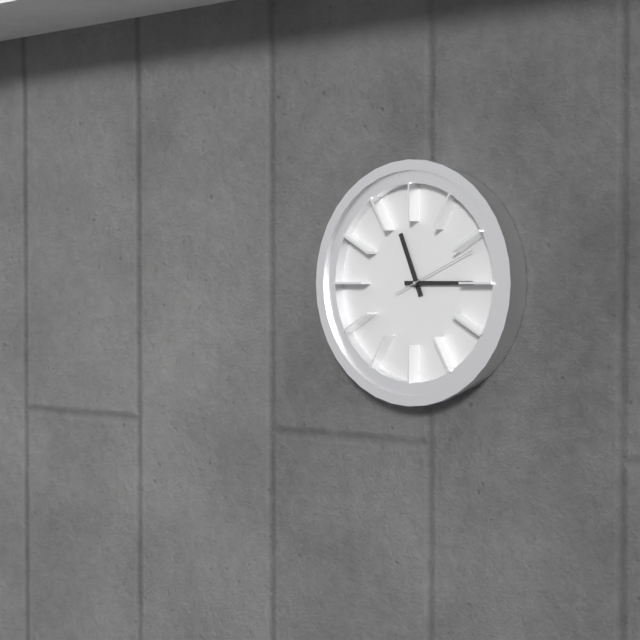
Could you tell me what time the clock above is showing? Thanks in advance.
11:15:11
